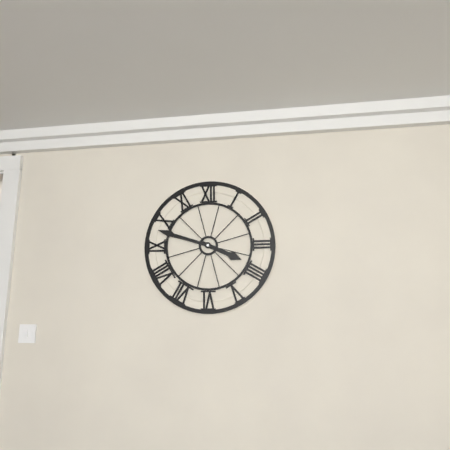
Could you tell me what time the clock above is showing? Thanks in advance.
3:48
